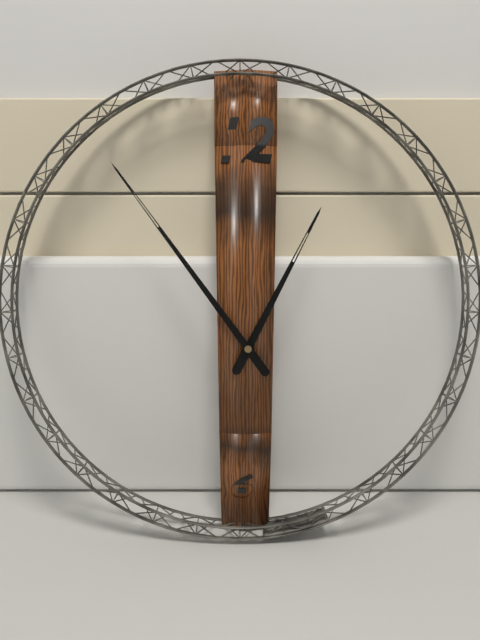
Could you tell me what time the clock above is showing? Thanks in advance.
12:54
